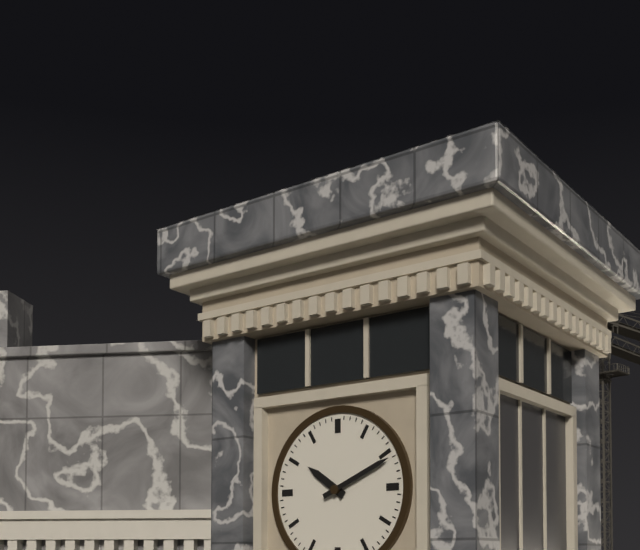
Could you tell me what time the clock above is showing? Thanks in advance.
10:11
